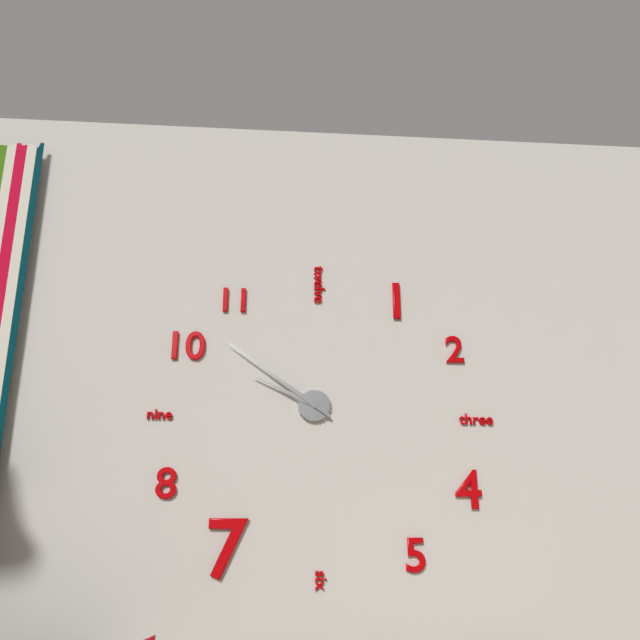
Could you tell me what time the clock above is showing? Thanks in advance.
9:51
